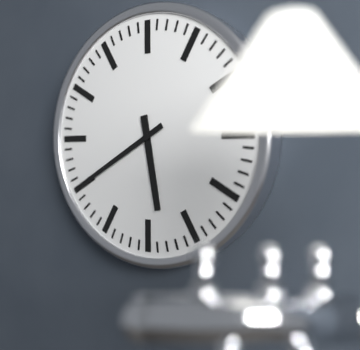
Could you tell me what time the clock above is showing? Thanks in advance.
5:40
